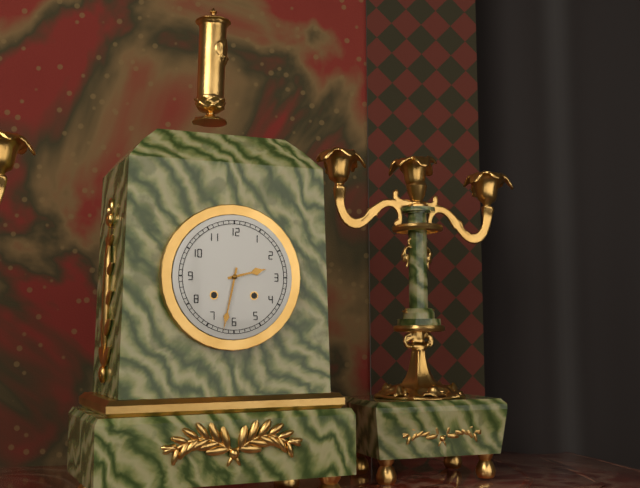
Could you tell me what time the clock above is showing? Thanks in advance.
2:32
